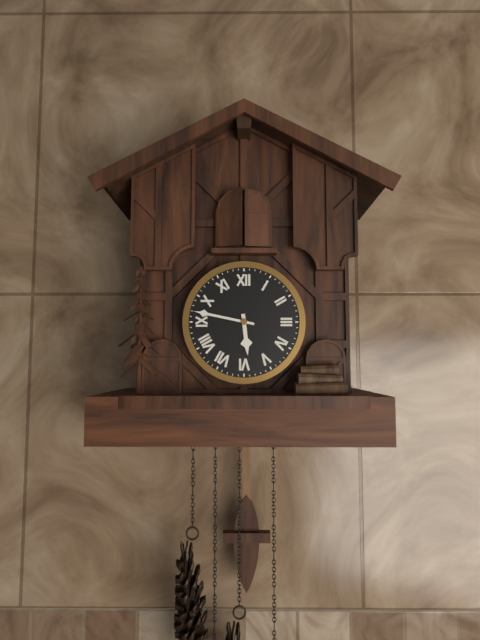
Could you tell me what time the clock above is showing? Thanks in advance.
5:47
